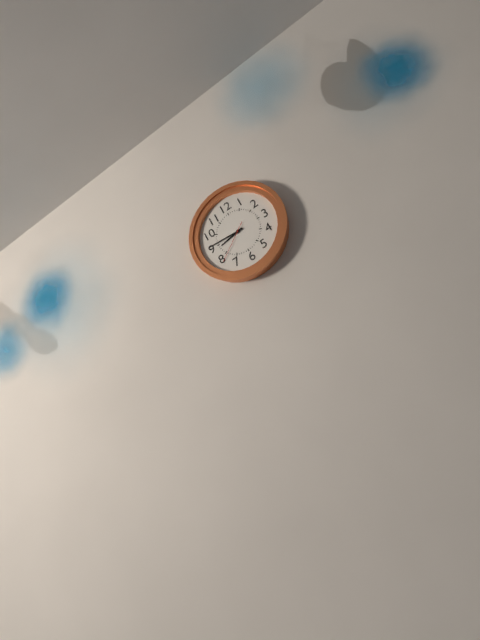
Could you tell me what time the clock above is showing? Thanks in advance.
8:46
